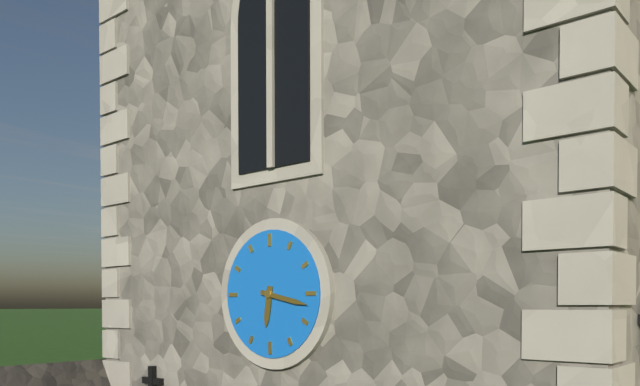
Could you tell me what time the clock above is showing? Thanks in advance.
6:17
